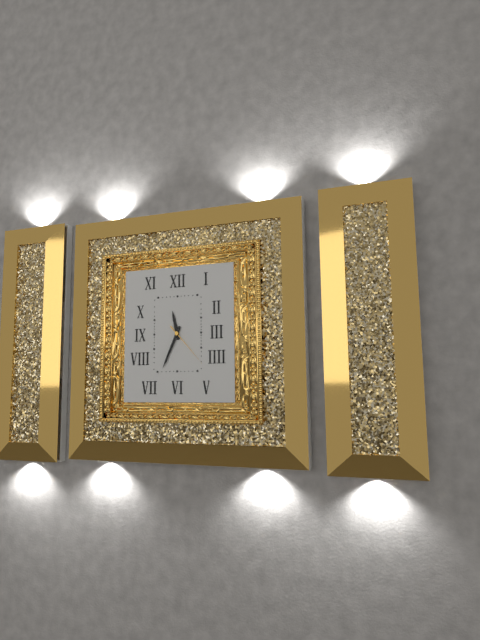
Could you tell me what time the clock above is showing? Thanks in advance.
11:34
